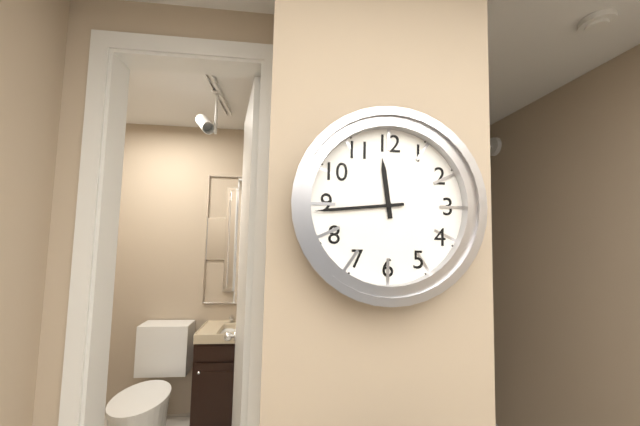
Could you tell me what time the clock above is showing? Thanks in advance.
11:44
